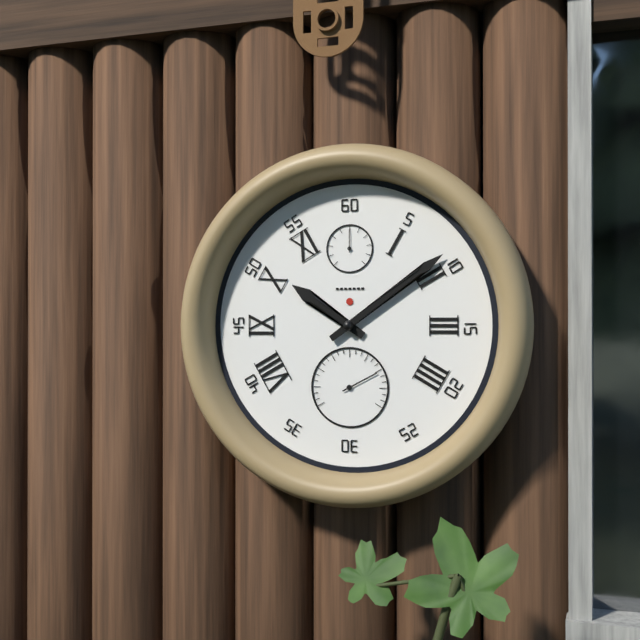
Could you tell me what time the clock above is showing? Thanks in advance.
10:09
